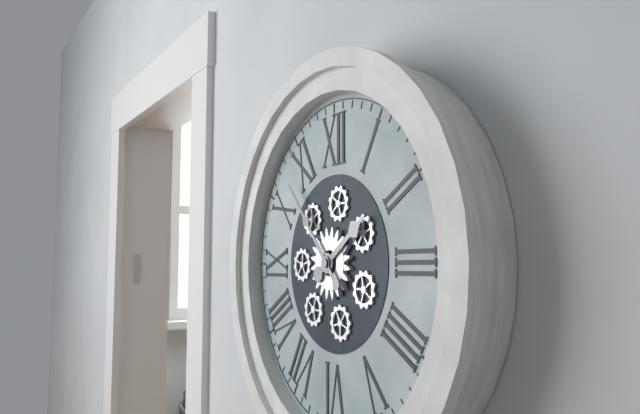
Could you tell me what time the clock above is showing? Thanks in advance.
1:53
